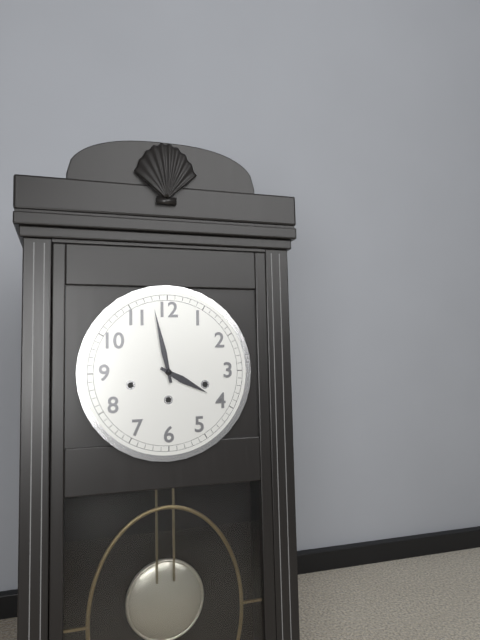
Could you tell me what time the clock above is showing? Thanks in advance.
3:58
